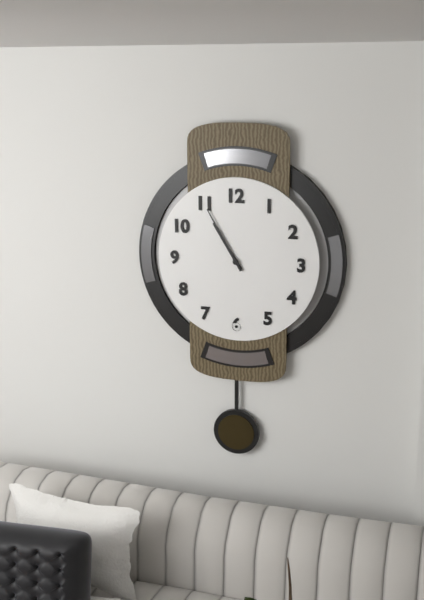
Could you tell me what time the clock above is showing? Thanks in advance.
10:55
